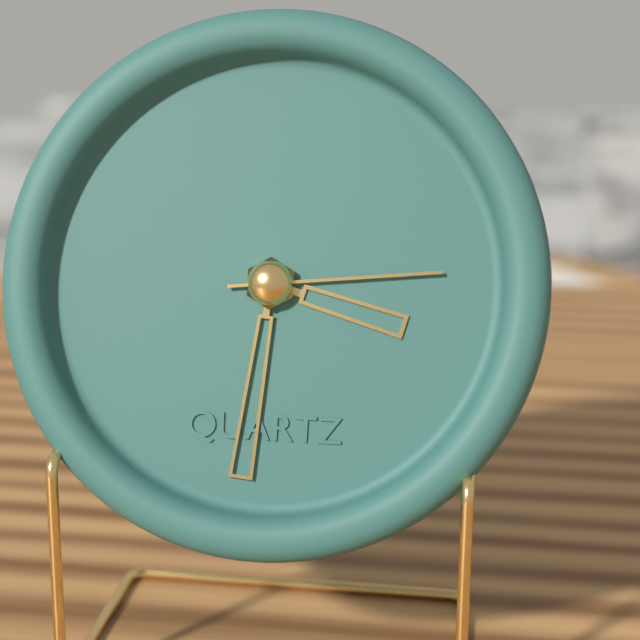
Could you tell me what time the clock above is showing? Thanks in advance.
3:31:14
